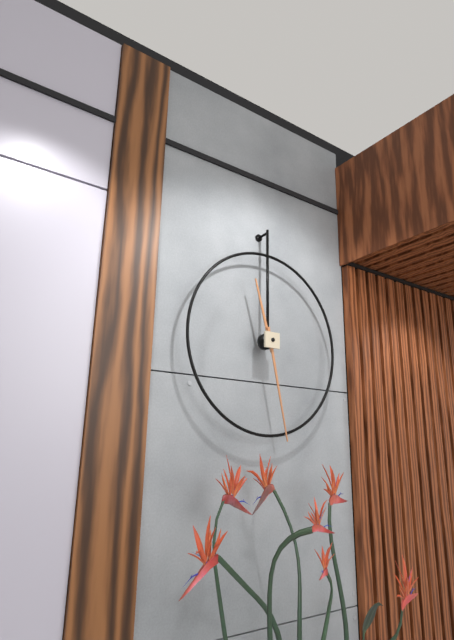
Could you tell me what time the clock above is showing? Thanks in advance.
11:28
